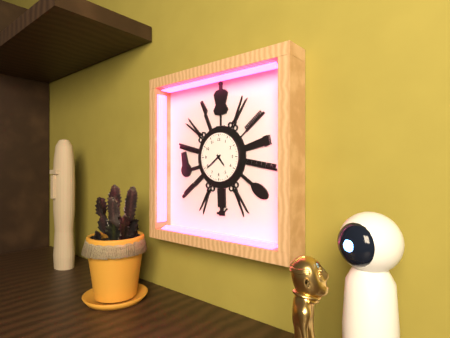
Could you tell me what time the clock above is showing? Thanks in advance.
4:39
